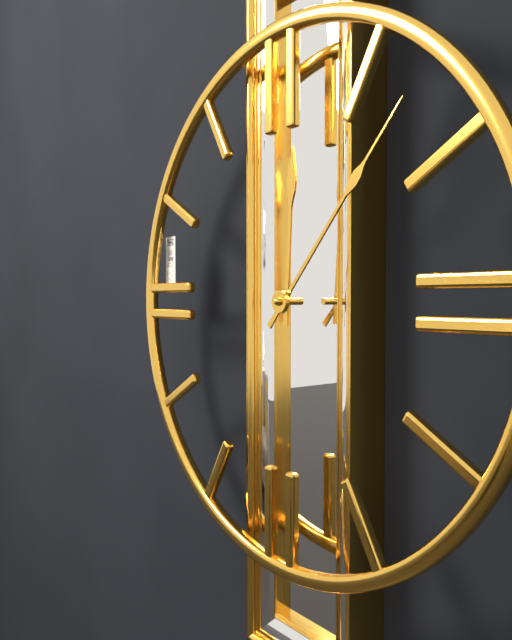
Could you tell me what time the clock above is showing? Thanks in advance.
12:07
